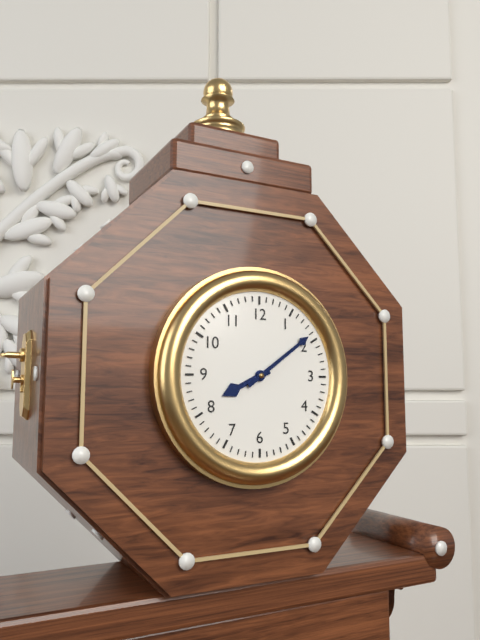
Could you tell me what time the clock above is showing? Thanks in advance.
8:09
